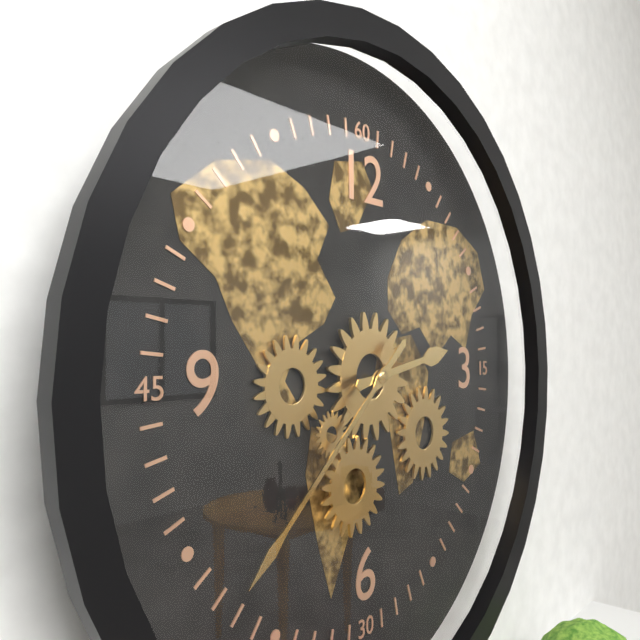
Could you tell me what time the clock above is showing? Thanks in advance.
2:38
